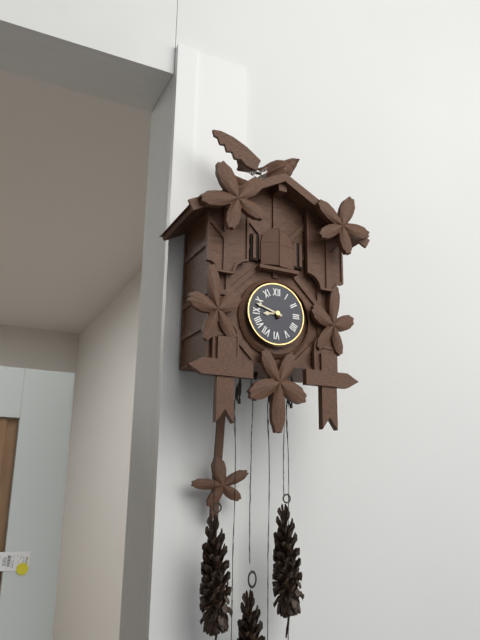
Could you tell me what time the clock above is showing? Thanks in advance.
8:48
